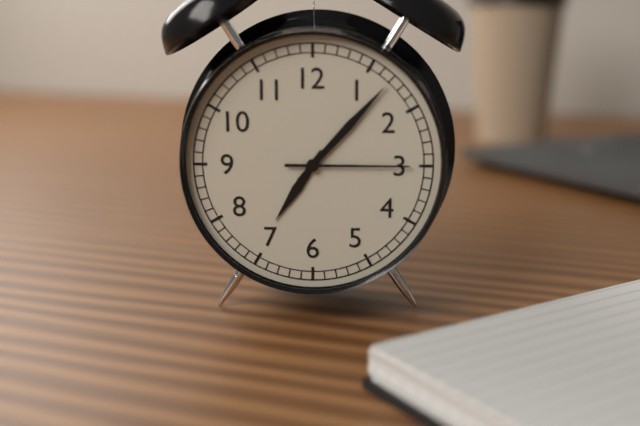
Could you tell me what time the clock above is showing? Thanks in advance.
7:07:15
